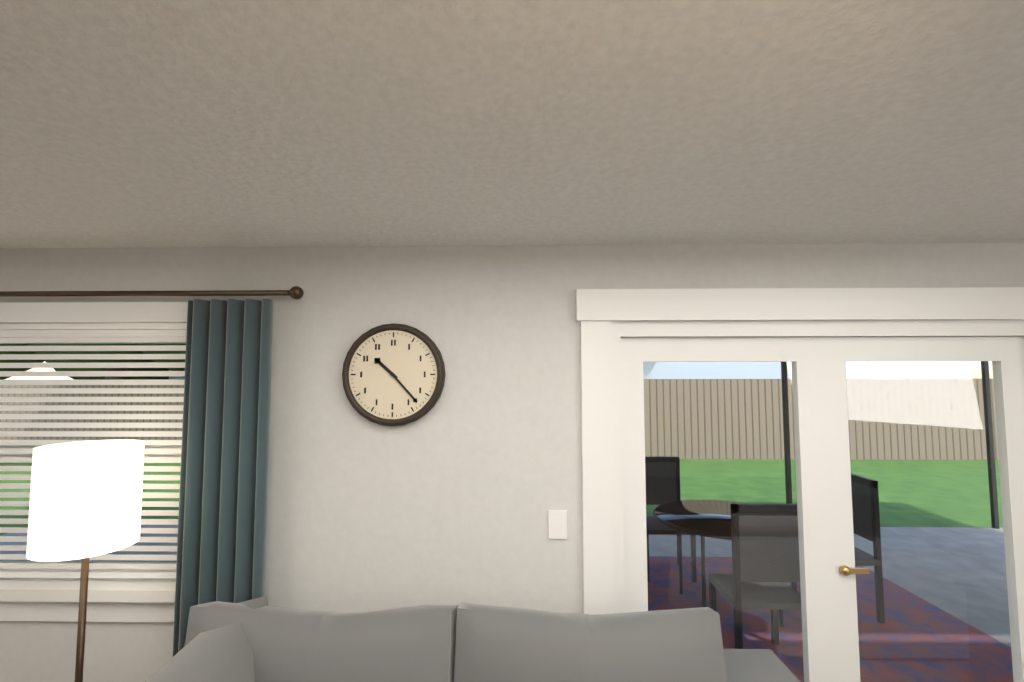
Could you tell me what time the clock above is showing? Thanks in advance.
10:23
